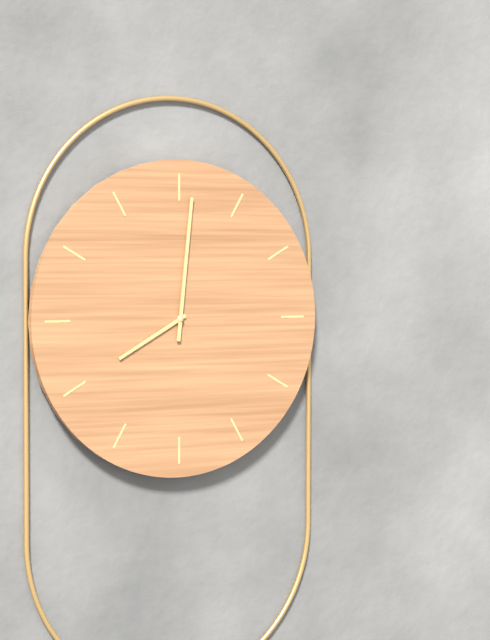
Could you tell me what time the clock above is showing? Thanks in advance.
8:01
